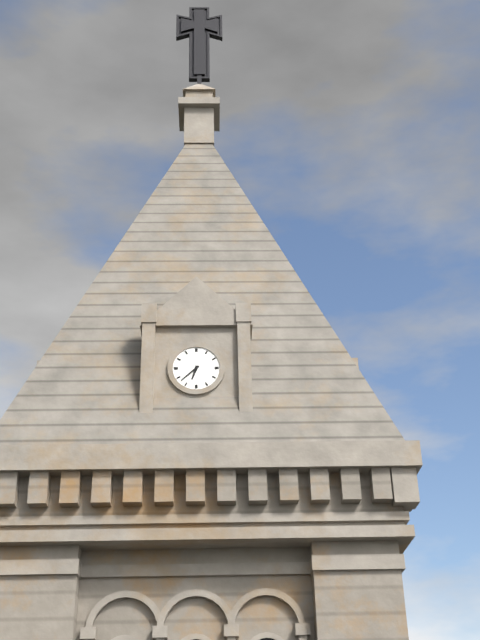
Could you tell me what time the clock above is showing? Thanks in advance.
6:38
